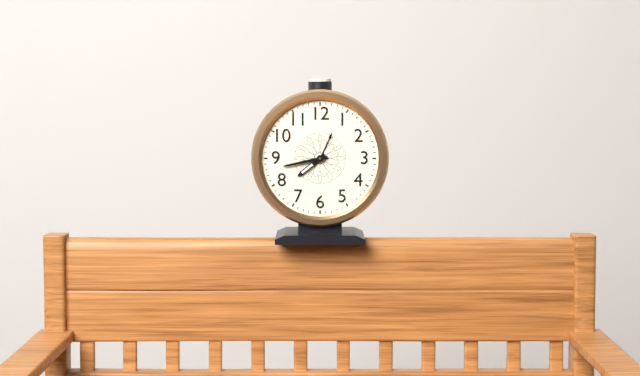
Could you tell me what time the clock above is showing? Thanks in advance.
7:43
